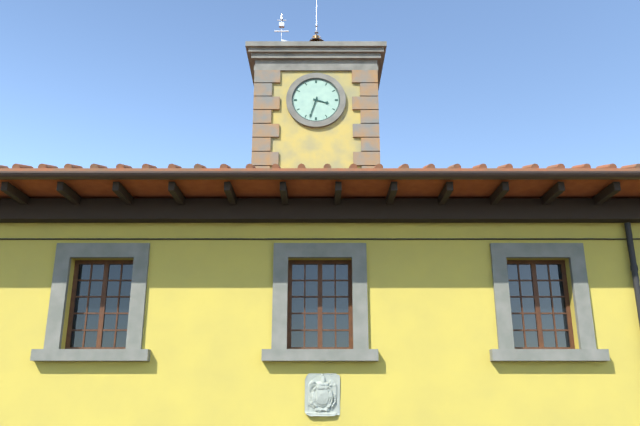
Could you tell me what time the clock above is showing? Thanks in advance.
3:33
